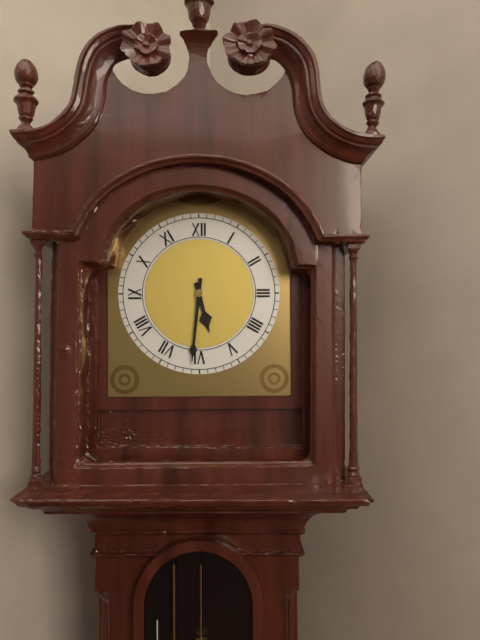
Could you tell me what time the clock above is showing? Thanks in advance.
5:31
